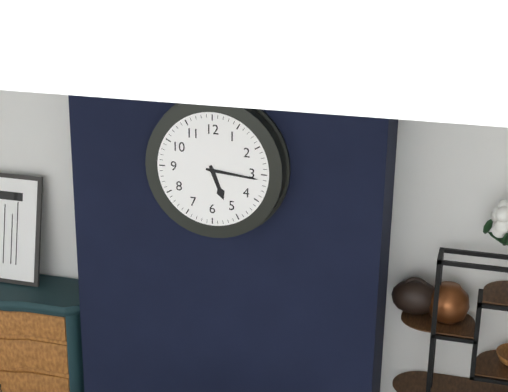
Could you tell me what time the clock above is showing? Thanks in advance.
5:16
